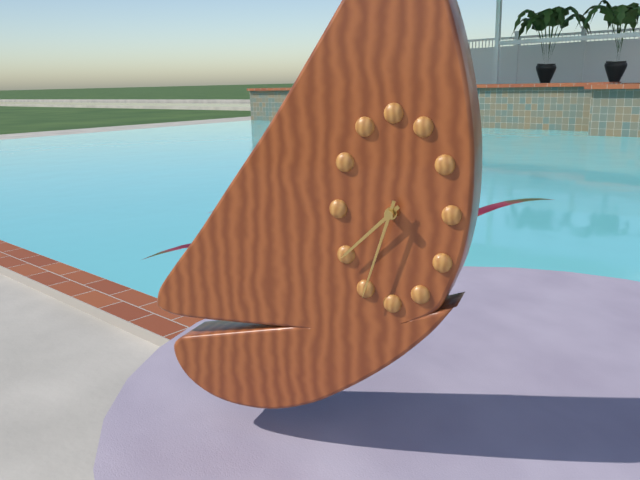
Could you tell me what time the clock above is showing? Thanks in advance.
7:33
